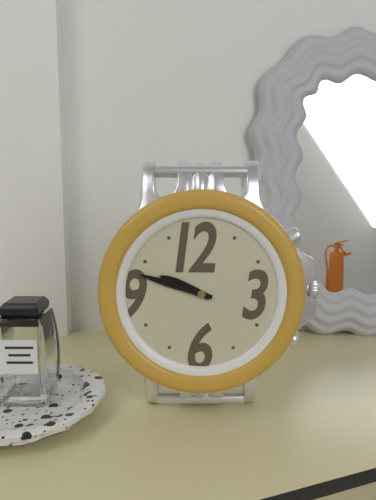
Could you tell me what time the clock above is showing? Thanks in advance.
9:48
